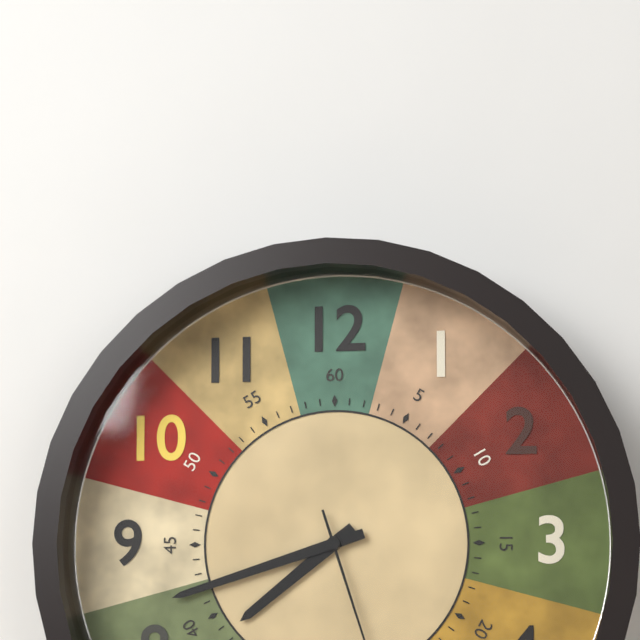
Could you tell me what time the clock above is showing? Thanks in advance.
7:42
